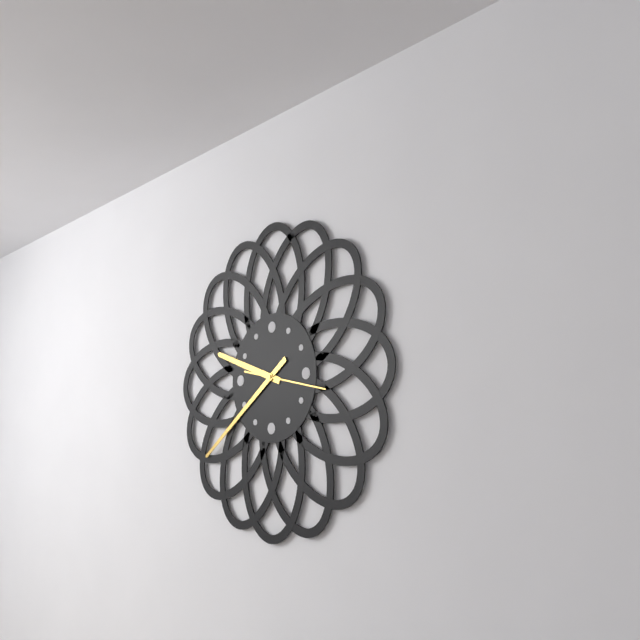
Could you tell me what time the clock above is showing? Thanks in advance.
9:39:17
